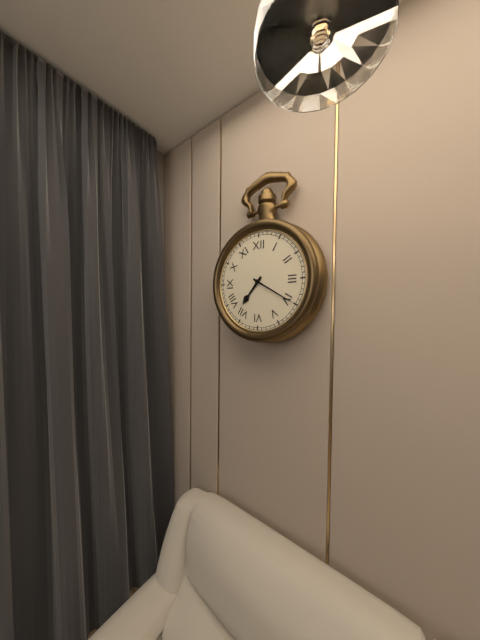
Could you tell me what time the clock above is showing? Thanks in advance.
7:20
